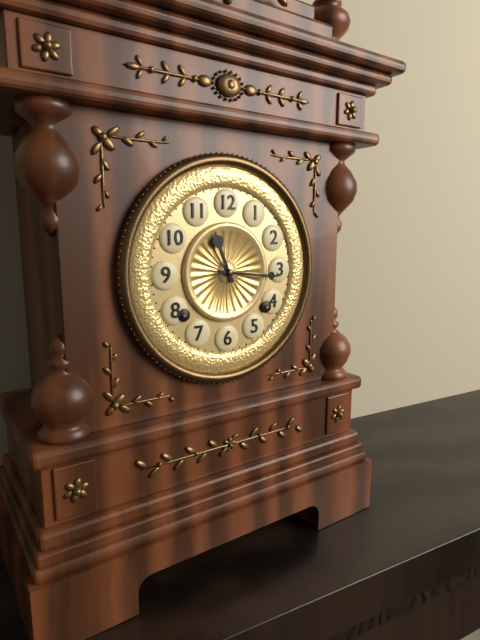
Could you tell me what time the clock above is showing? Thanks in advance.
11:16
